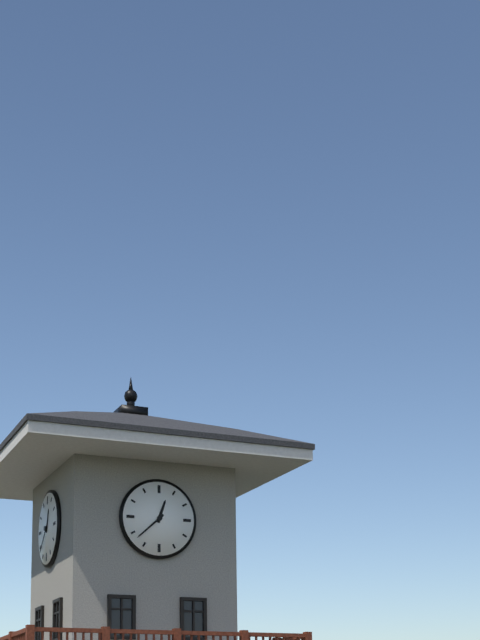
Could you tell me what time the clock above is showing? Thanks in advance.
12:38
